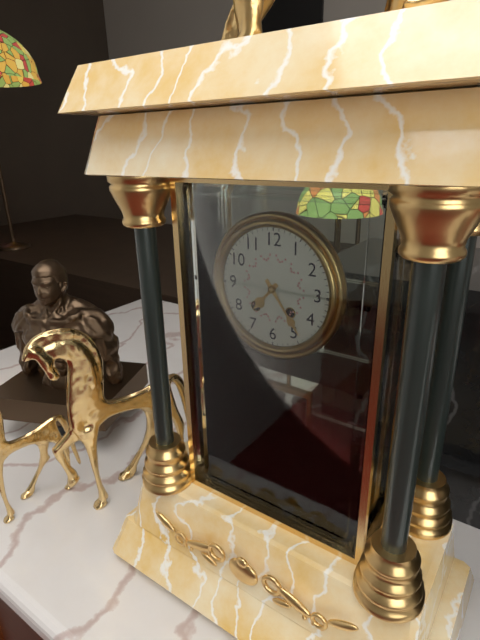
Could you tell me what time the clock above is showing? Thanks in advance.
7:24
